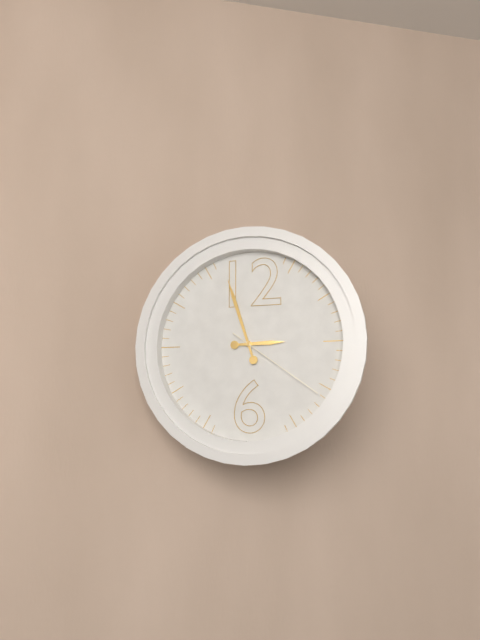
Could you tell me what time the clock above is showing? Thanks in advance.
2:57:21
